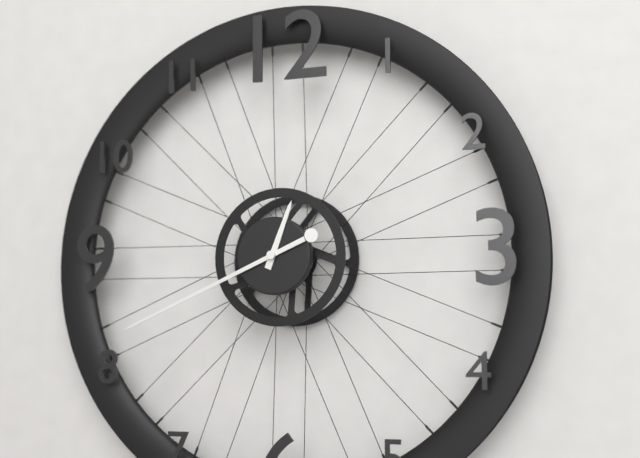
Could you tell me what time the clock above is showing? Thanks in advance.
12:41
